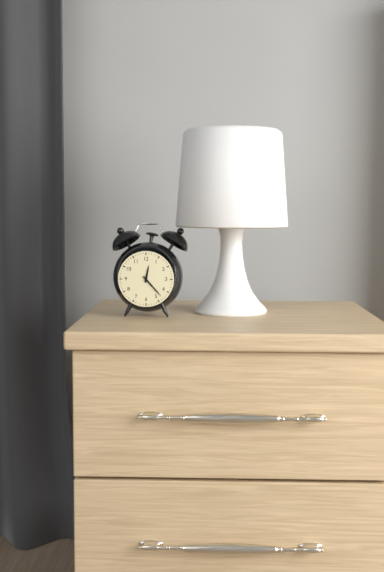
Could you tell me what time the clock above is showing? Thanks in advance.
12:23
